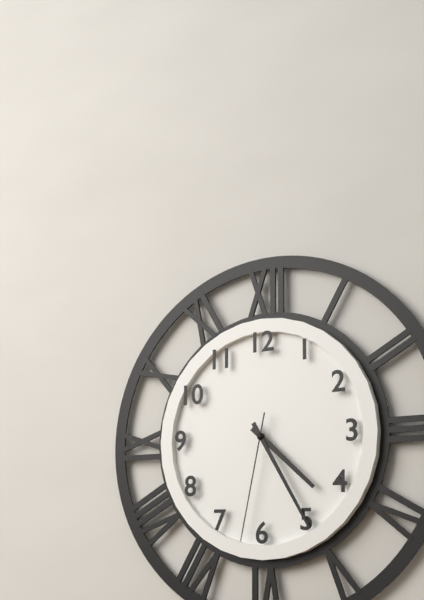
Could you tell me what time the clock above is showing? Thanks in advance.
4:25:32
